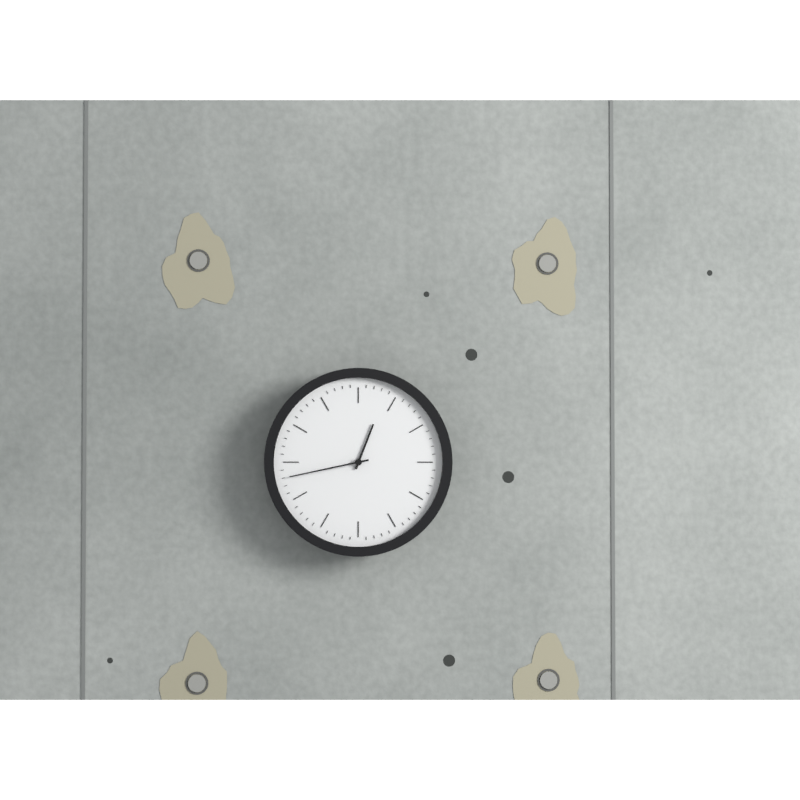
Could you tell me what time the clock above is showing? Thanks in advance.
12:43
